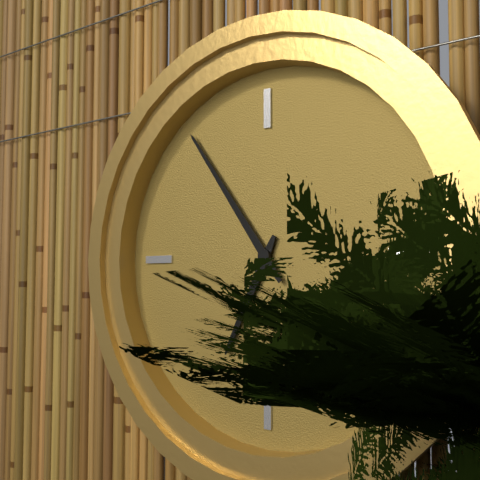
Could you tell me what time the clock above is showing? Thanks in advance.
6:54
